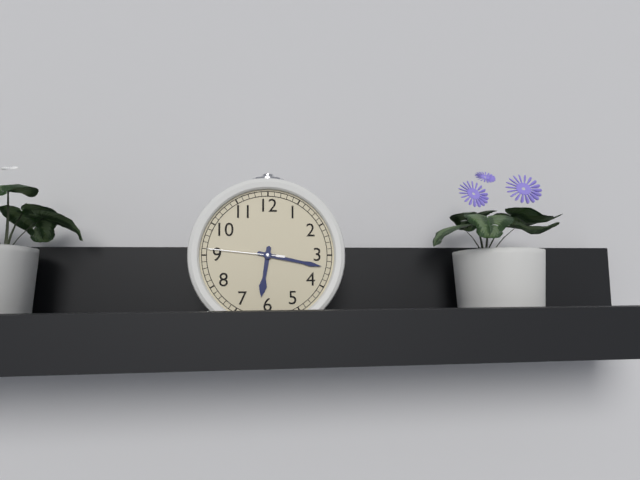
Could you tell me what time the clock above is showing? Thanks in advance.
6:17:46
